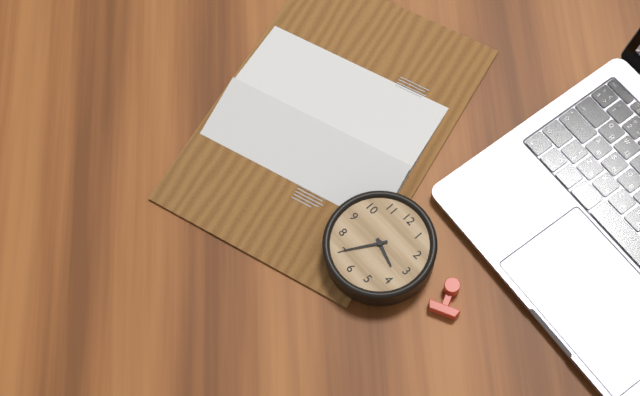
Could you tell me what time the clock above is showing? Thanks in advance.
3:35
